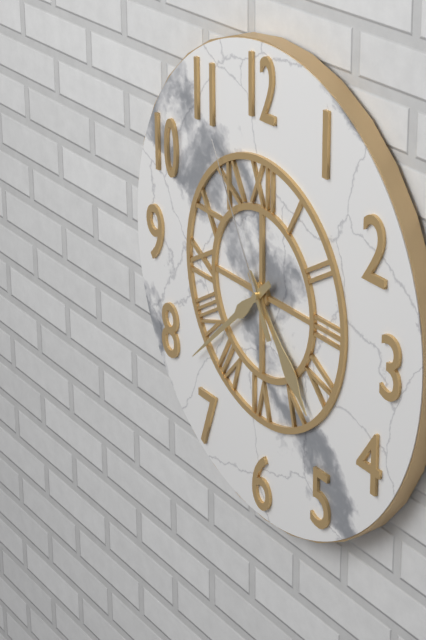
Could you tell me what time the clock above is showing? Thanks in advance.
4:38:55
